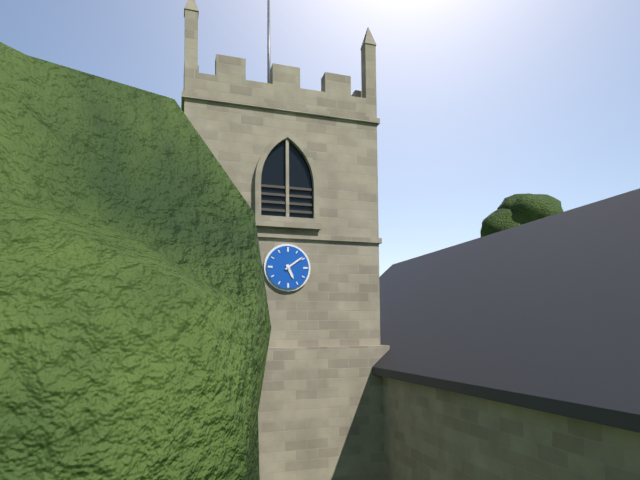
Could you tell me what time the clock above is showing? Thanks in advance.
5:09
